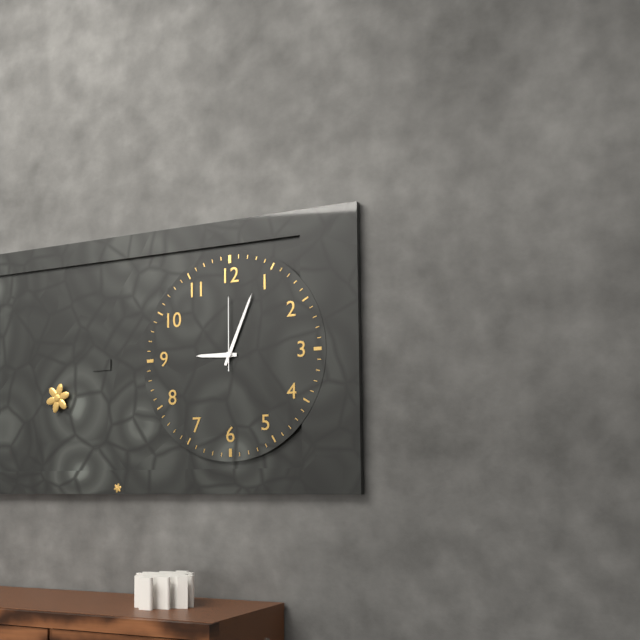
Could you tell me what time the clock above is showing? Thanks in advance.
9:04:00
